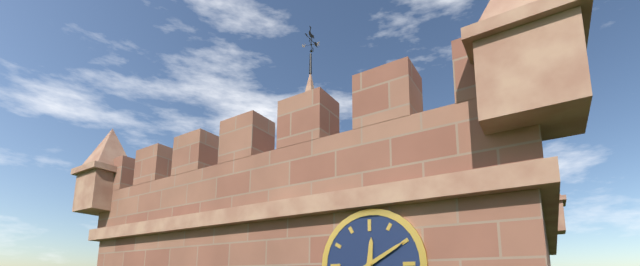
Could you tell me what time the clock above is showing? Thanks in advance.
12:10
